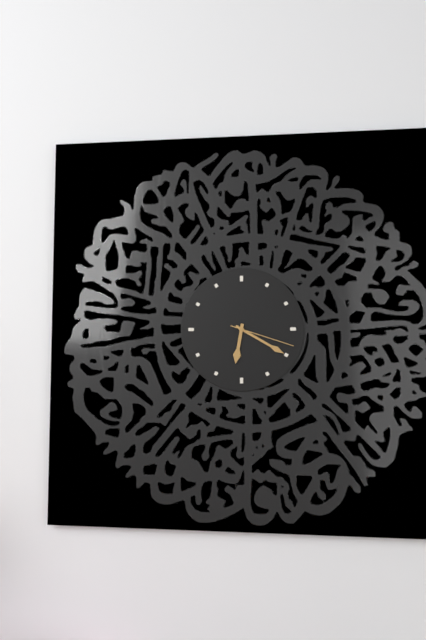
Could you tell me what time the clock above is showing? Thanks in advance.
6:20:18
